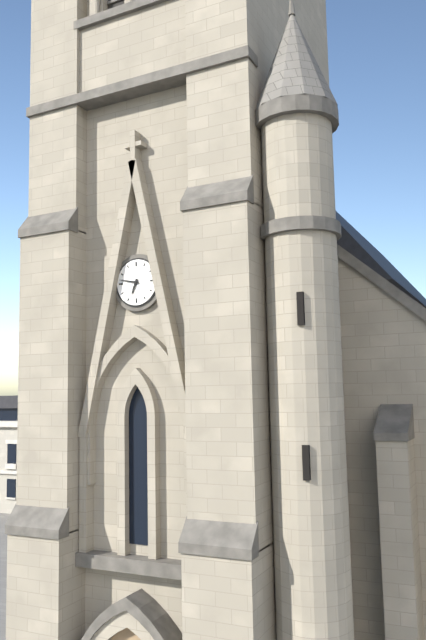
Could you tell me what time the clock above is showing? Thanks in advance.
6:47
